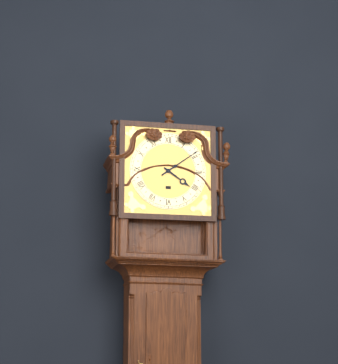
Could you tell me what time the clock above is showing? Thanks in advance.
4:09
